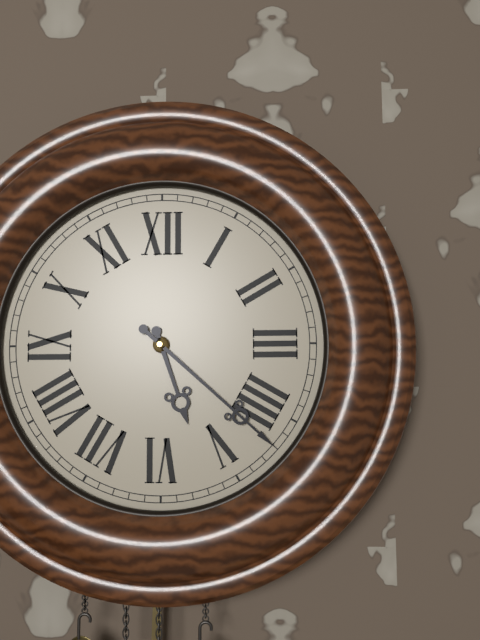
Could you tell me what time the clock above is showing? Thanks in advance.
5:22
